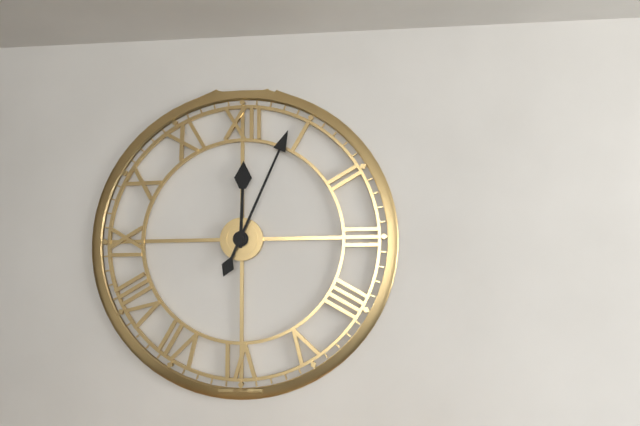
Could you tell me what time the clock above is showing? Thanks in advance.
12:04
